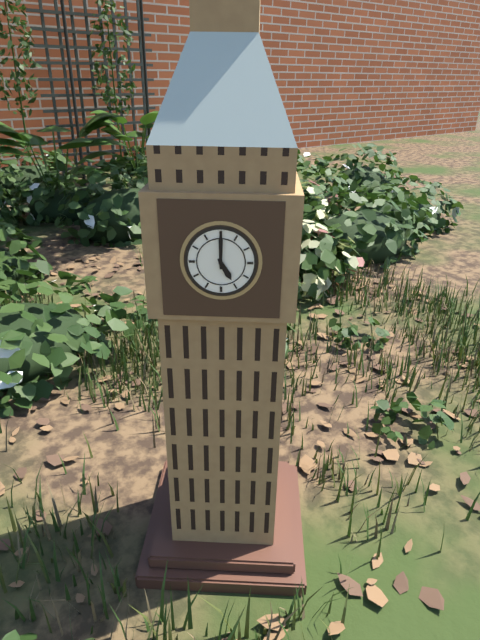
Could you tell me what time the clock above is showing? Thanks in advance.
5:00
